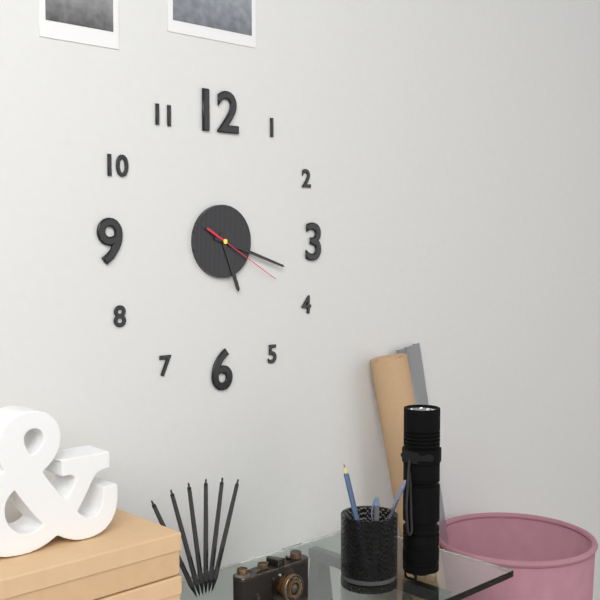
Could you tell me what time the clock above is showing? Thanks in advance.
5:18:20
